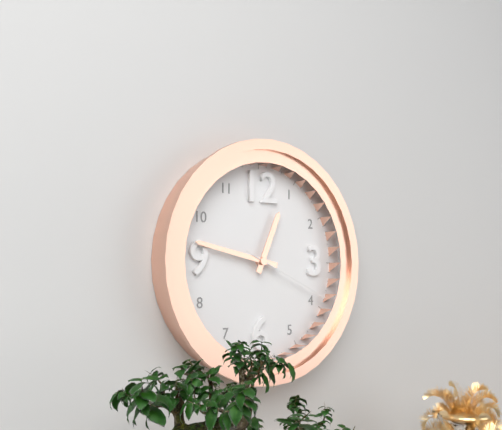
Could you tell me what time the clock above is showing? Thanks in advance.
12:47:19
